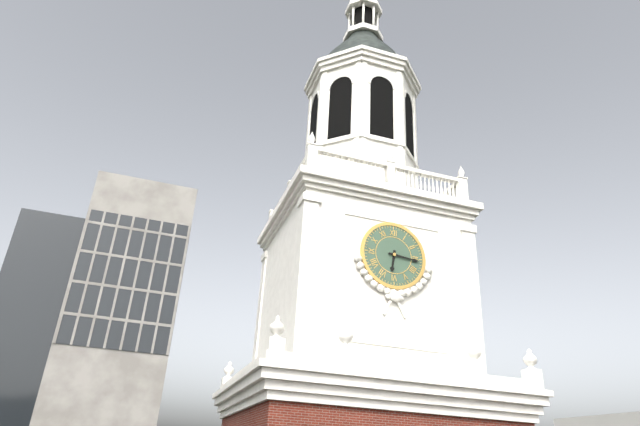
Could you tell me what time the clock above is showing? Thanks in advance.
6:16
